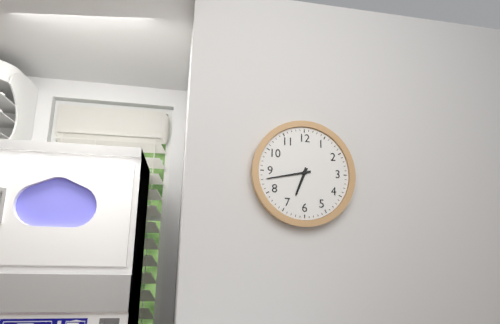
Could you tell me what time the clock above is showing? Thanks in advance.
6:43
